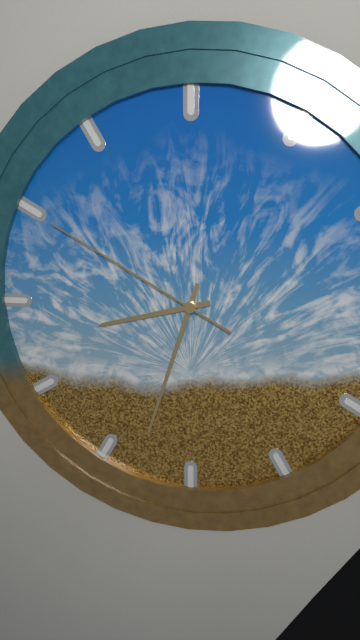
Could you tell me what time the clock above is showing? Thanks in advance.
8:33:50
